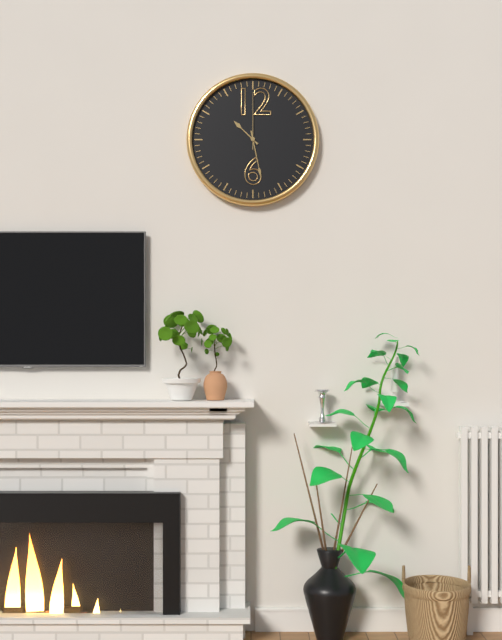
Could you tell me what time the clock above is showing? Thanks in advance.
10:28:00
